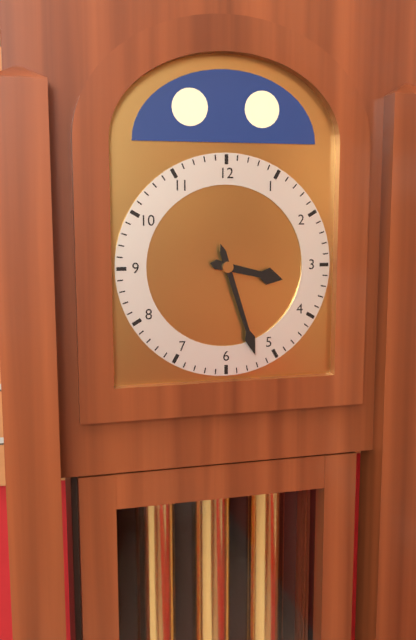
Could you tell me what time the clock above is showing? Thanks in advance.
3:27
